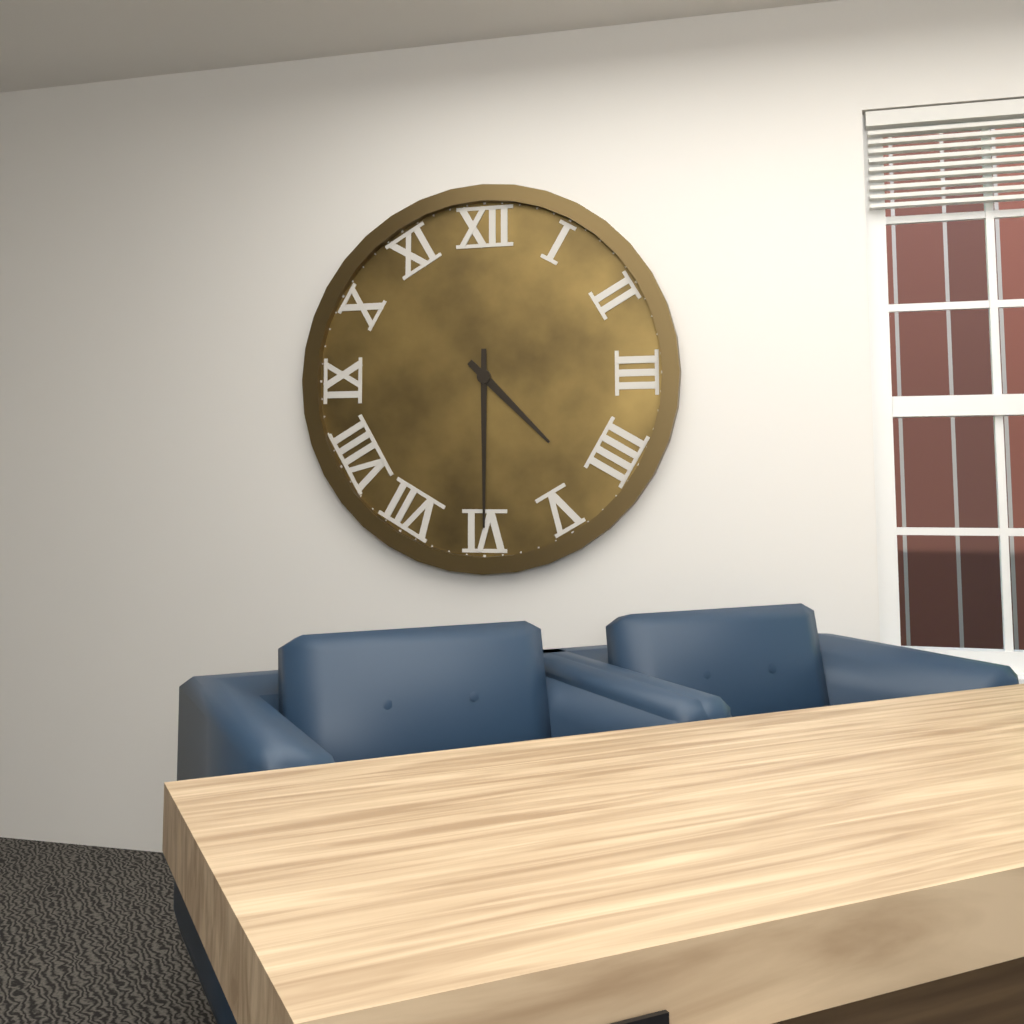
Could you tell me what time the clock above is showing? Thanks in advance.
4:30
